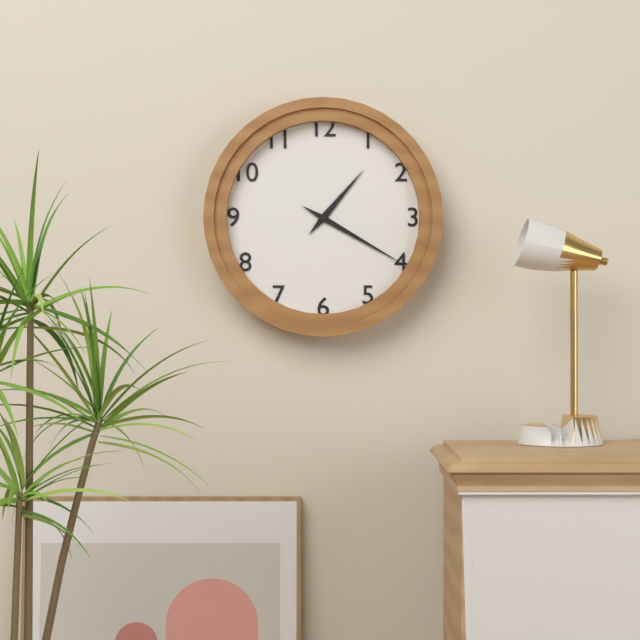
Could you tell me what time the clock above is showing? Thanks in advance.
1:20
